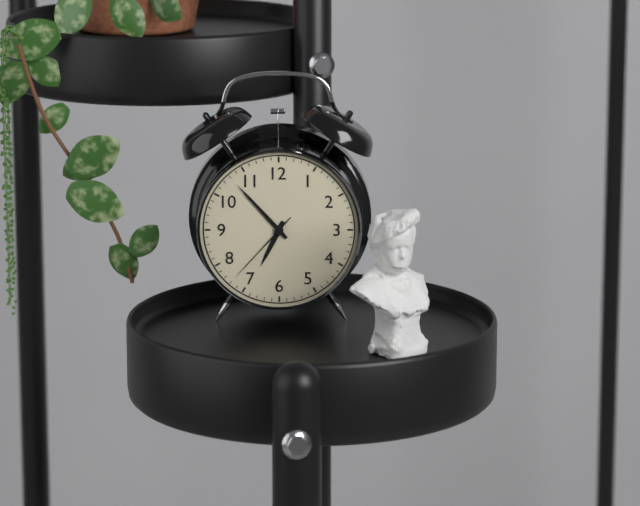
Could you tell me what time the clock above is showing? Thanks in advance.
6:53:37
